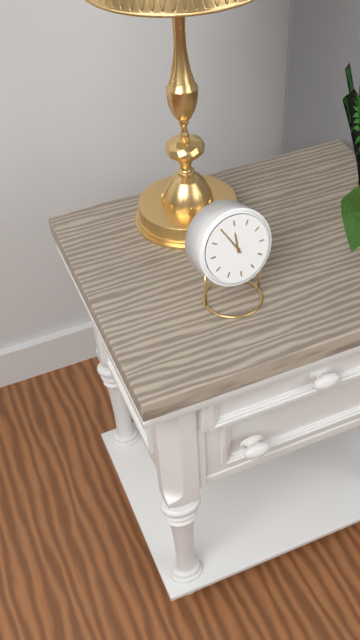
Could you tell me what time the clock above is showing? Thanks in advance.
11:55
